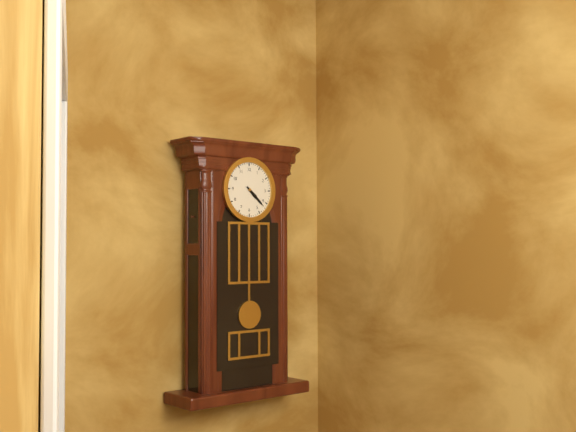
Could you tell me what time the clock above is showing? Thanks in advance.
4:22
